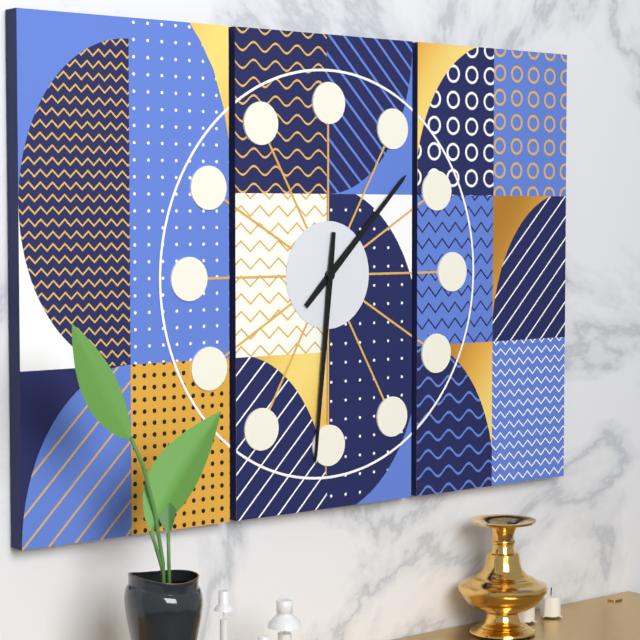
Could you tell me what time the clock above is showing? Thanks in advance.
1:31
